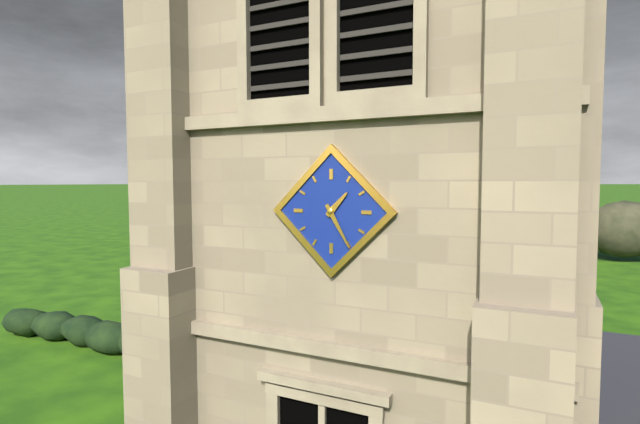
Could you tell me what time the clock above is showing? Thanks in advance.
1:25
